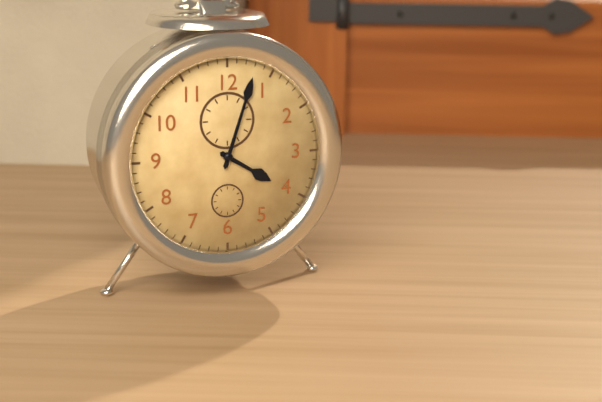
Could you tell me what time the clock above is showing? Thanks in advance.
4:03
